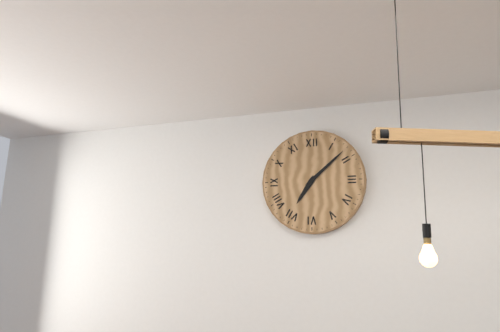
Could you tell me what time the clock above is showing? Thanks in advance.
7:08
